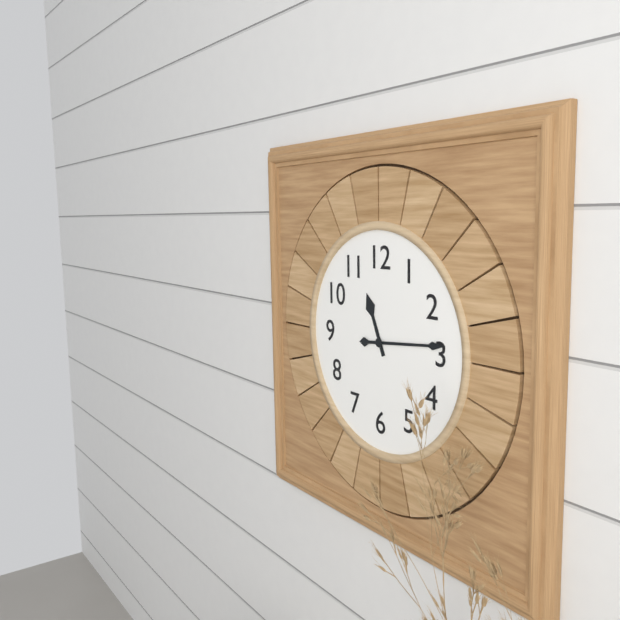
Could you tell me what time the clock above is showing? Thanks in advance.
11:14
